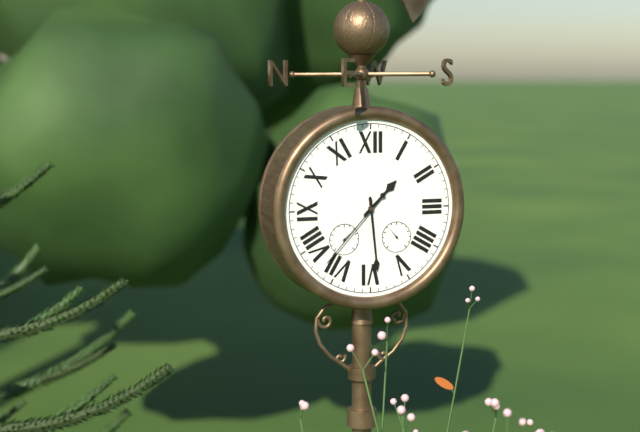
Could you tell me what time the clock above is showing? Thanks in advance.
1:29:37
